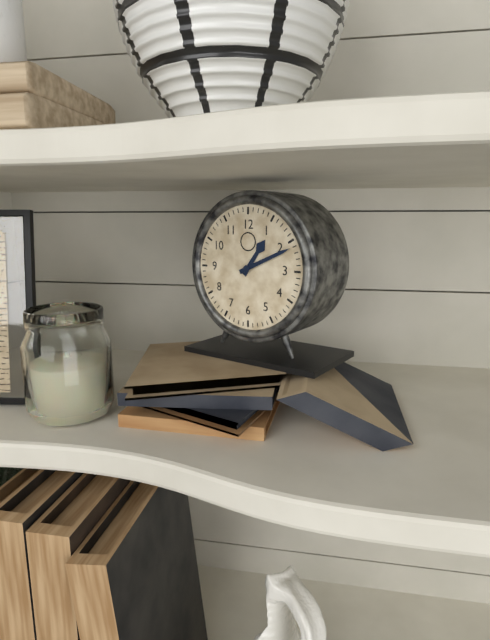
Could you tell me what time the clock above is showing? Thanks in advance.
1:11
